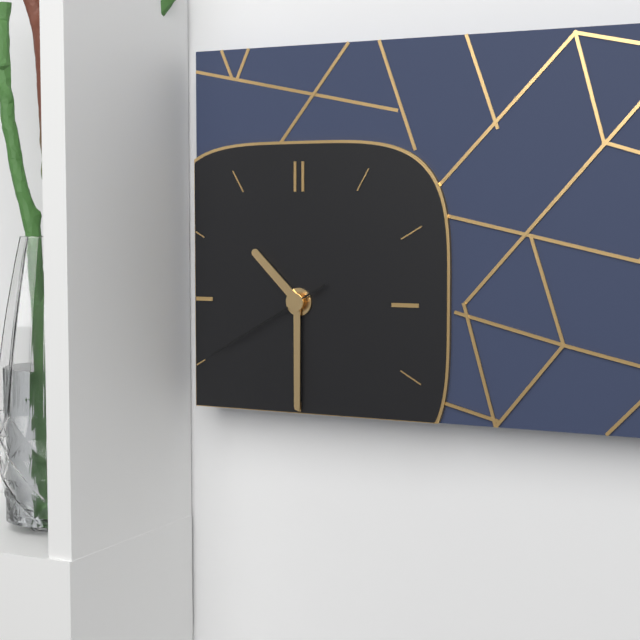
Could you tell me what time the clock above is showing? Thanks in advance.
10:30:40
